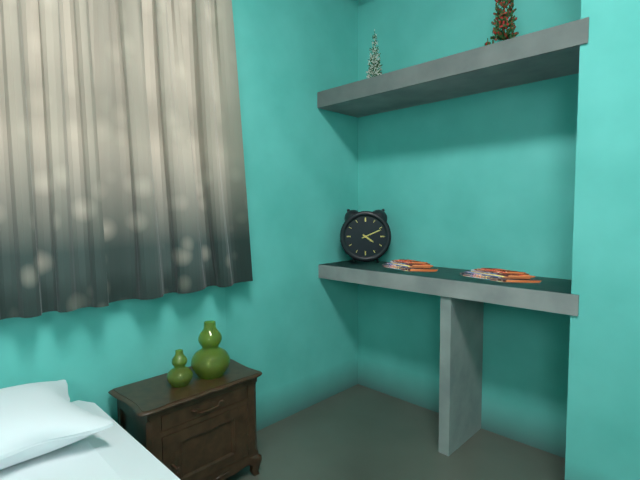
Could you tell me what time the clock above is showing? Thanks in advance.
4:11
